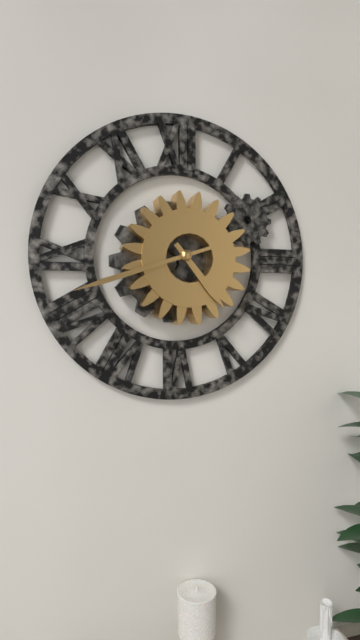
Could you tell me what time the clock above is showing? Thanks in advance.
4:42
